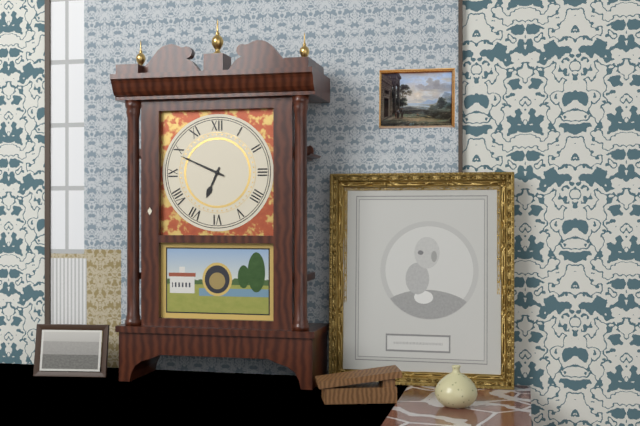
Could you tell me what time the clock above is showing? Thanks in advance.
6:49
